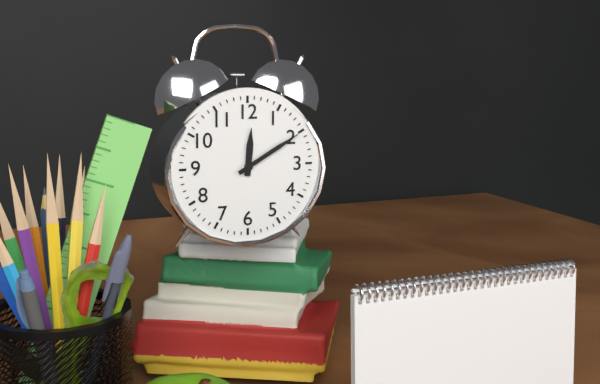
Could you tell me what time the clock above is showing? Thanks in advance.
12:10
